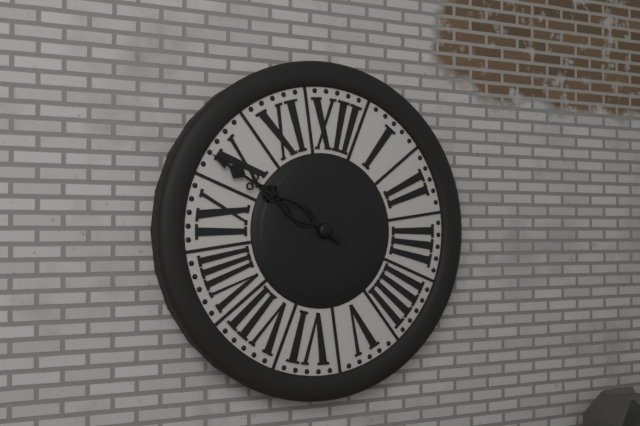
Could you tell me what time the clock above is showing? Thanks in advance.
9:49
